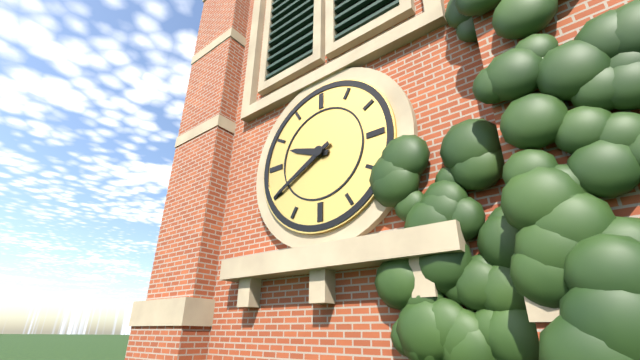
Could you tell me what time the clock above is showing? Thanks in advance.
9:40
